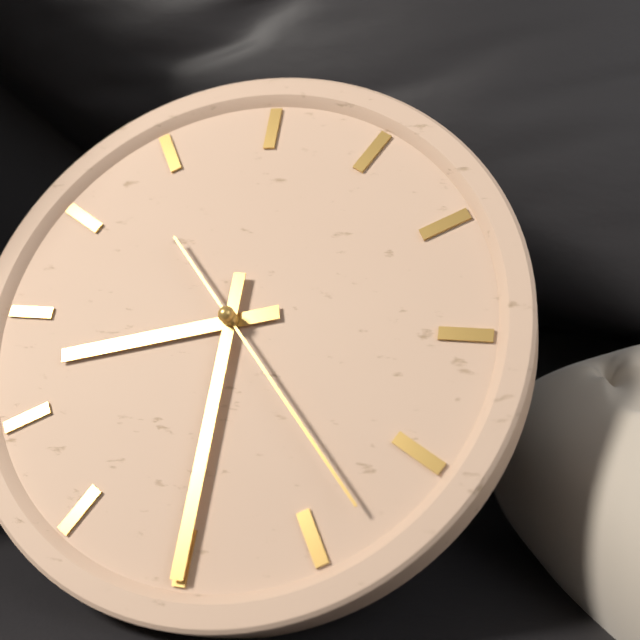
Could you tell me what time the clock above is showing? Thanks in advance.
8:30:23
